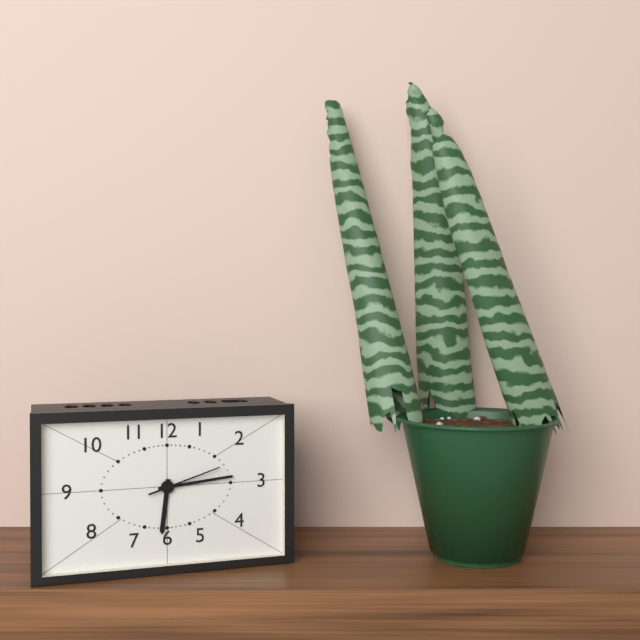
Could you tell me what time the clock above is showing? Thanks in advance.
6:14:12
